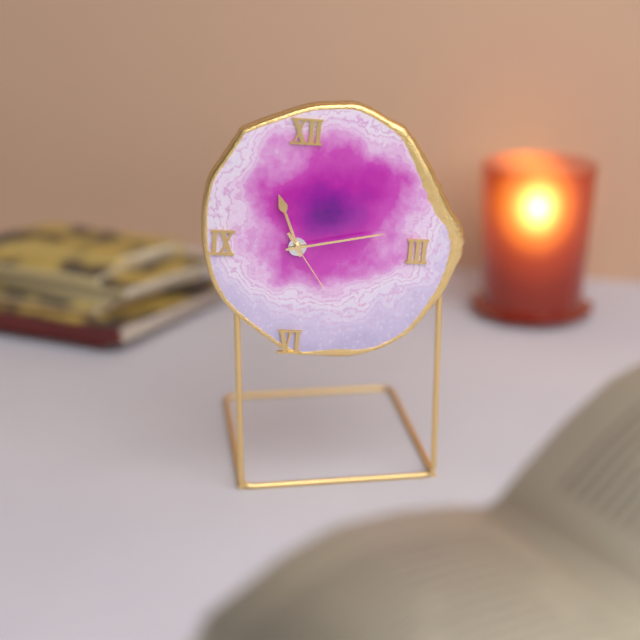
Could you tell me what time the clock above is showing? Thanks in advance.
11:13:24
